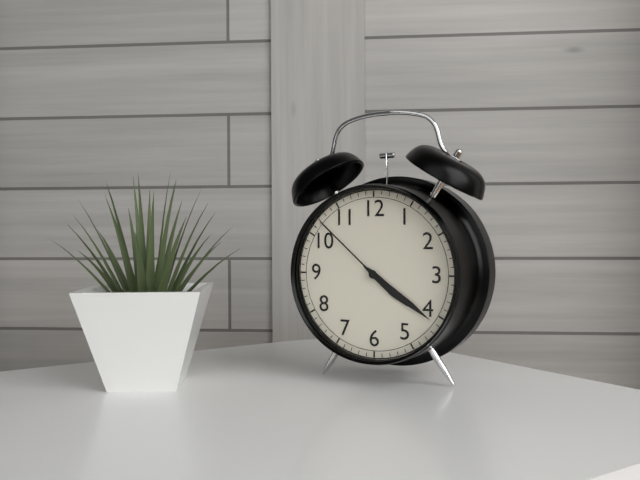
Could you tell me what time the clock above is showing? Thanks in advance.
4:21:52
